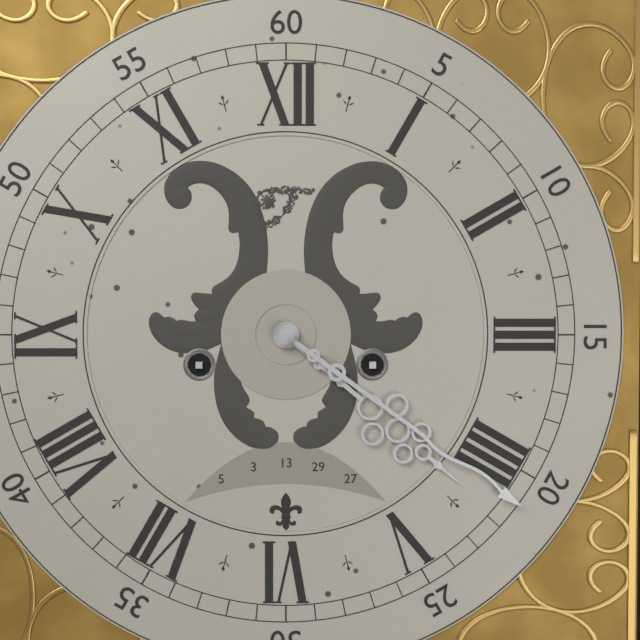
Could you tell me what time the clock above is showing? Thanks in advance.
4:21
